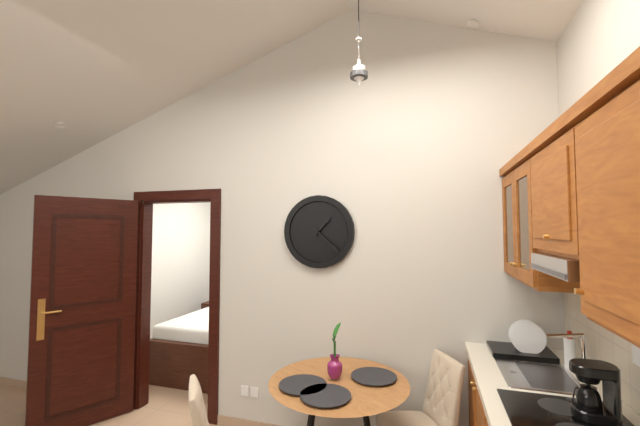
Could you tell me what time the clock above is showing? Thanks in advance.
1:22
